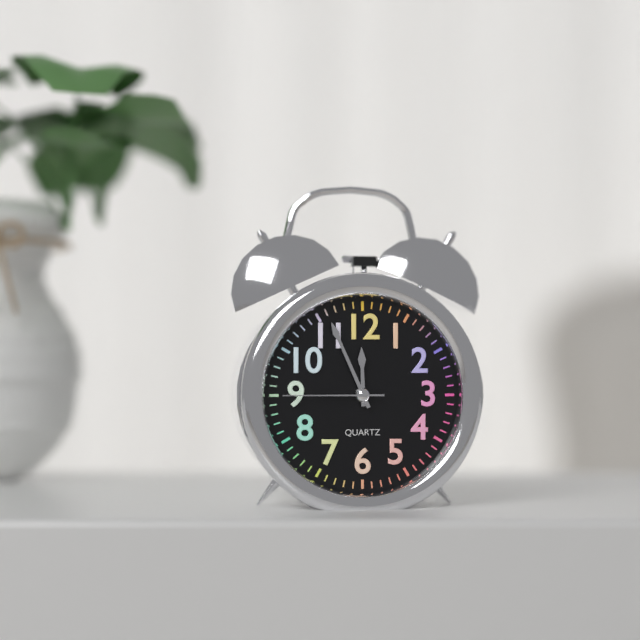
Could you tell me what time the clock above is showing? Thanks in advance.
11:56:45
